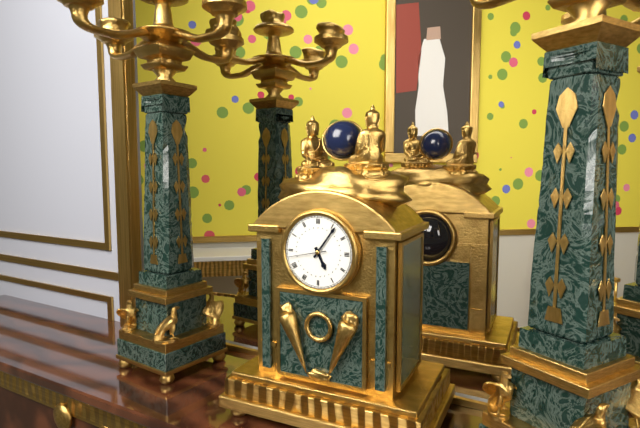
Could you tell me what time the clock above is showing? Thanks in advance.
5:06
